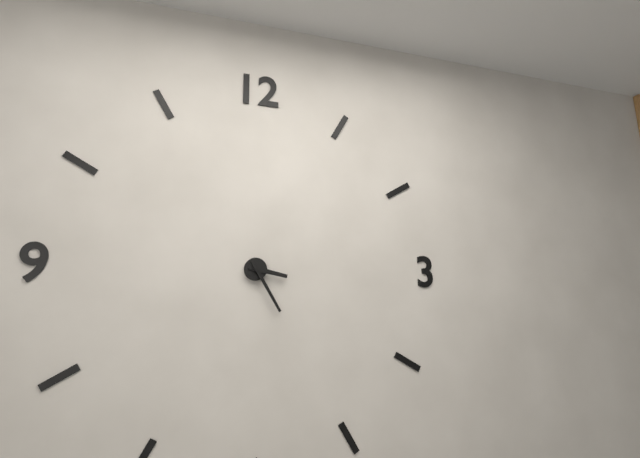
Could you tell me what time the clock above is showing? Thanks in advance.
3:25
